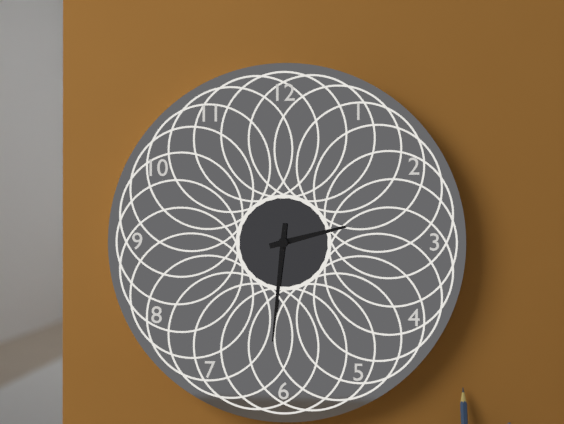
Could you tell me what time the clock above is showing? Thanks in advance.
2:31
